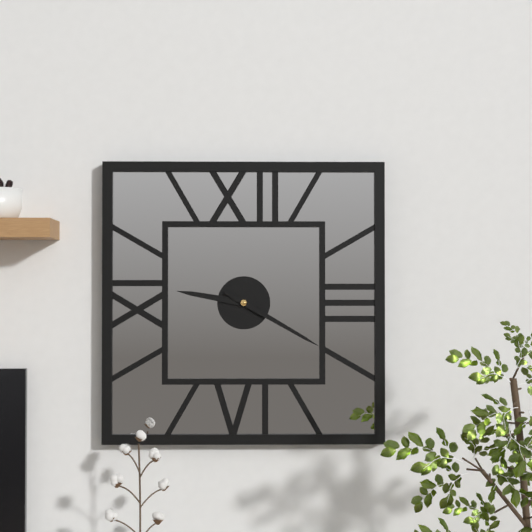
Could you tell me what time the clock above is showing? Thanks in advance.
9:20
